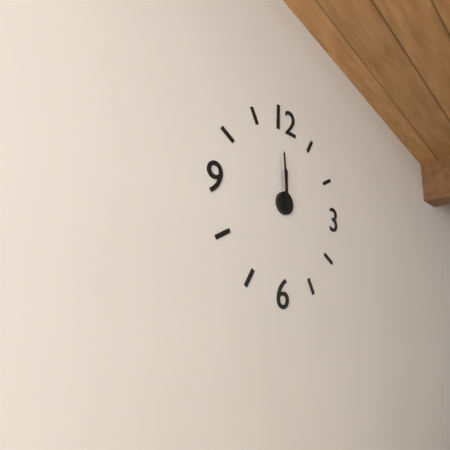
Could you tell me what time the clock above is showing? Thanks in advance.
11:59
